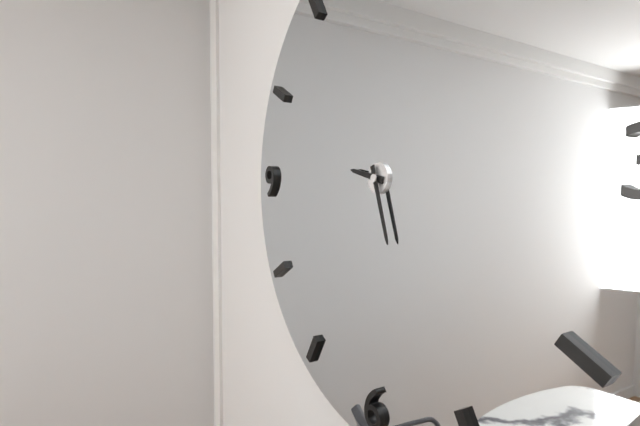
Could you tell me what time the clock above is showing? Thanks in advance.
9:27
